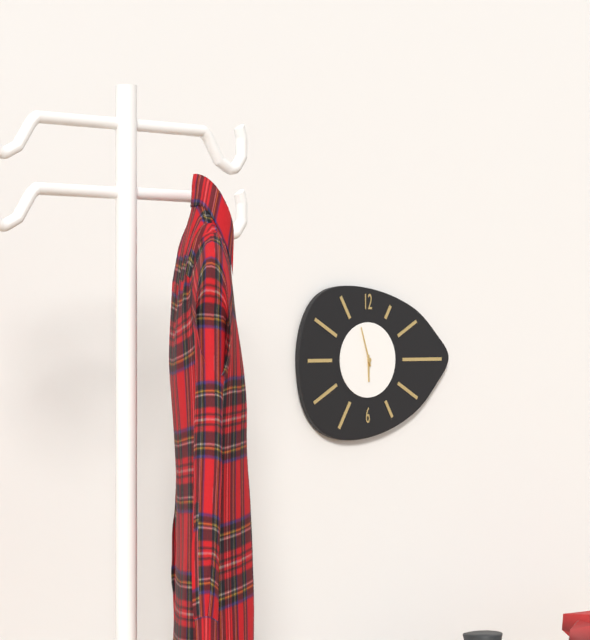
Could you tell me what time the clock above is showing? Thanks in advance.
5:57
